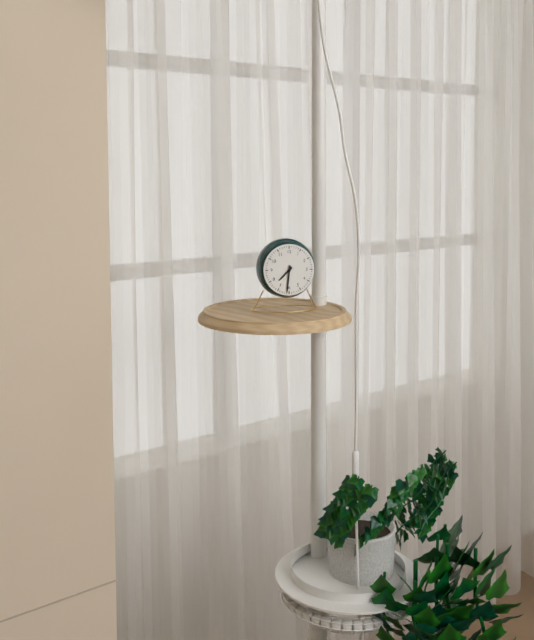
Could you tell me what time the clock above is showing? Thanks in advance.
7:31
